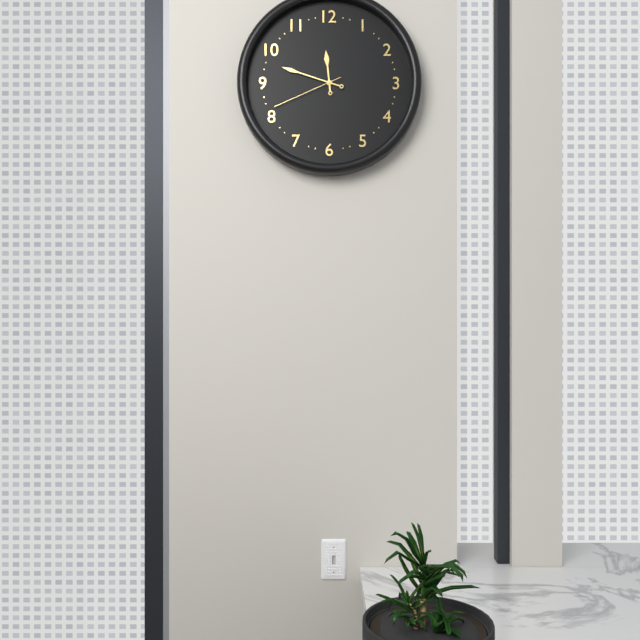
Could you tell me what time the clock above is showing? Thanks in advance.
11:48:41
